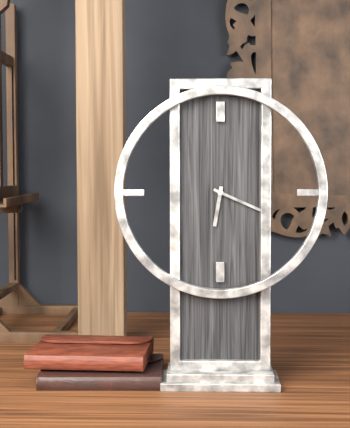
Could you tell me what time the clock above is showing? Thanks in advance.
6:19
